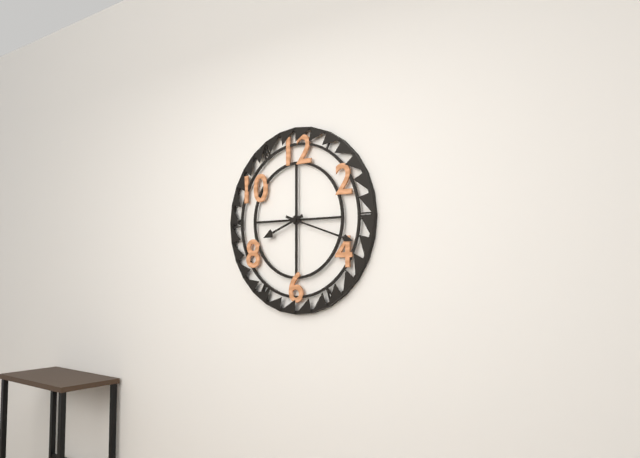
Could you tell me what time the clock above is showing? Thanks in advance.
8:18
